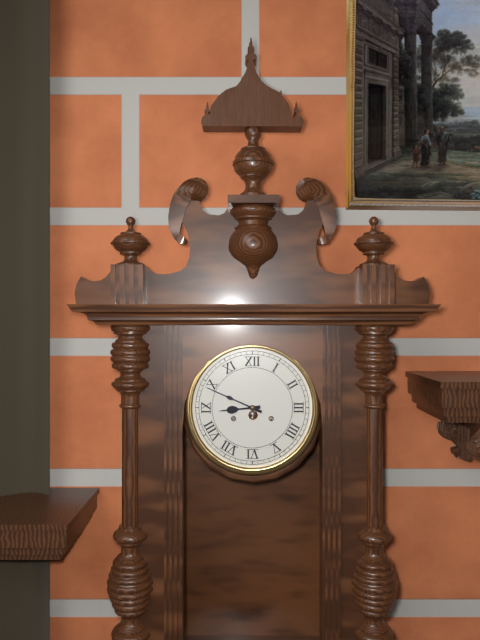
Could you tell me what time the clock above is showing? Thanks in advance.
8:49
